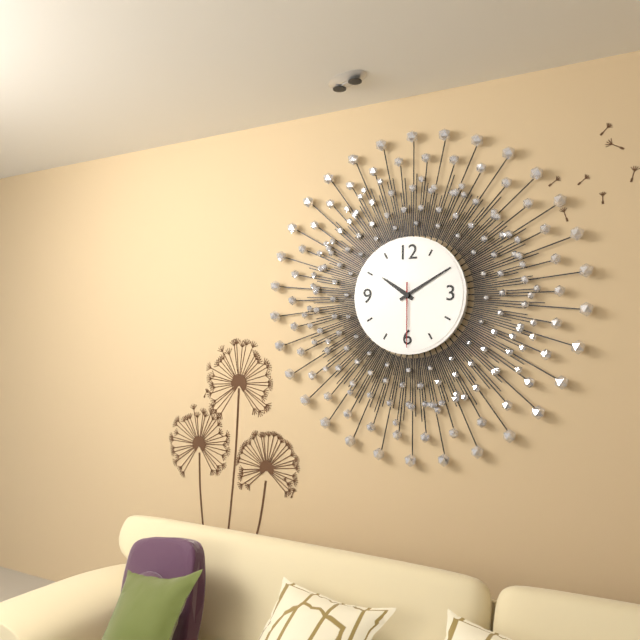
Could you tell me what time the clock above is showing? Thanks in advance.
10:10:30
